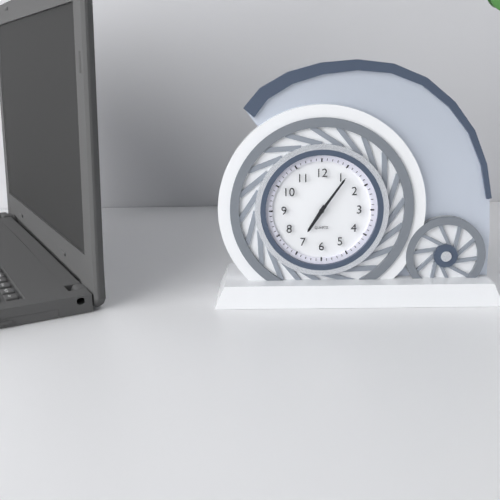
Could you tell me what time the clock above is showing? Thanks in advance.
7:06
